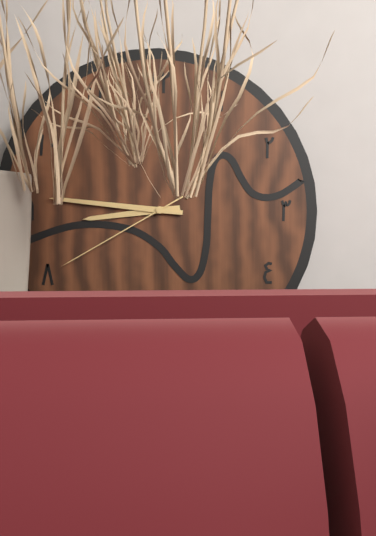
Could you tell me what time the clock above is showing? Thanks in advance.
8:46:40
